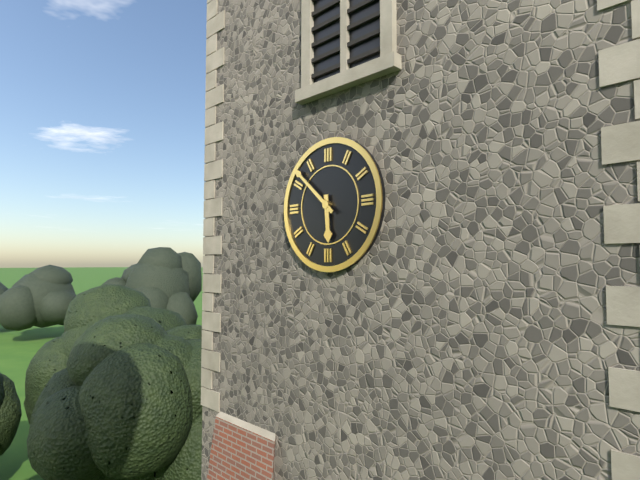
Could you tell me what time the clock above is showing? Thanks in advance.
5:52
